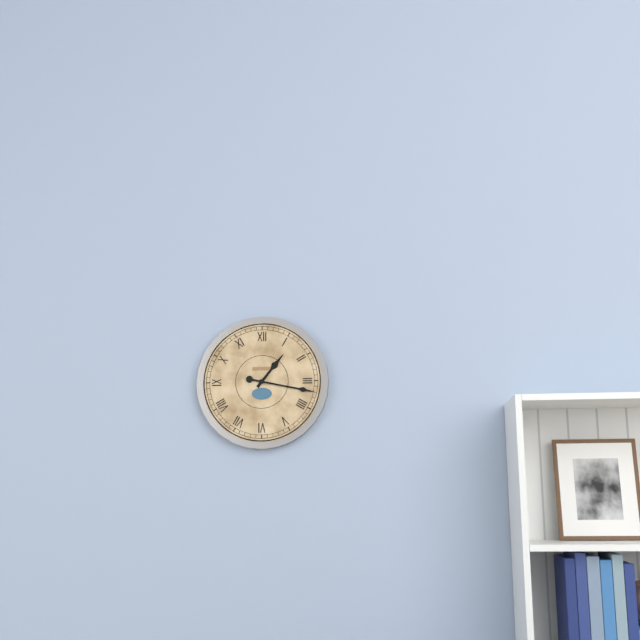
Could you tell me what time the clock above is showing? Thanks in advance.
1:17
